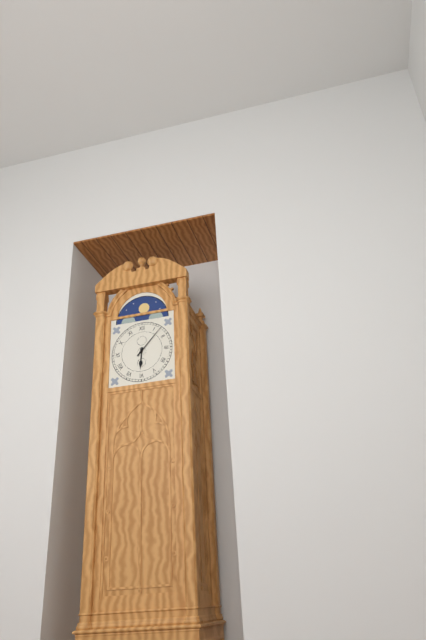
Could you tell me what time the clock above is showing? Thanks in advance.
6:07
